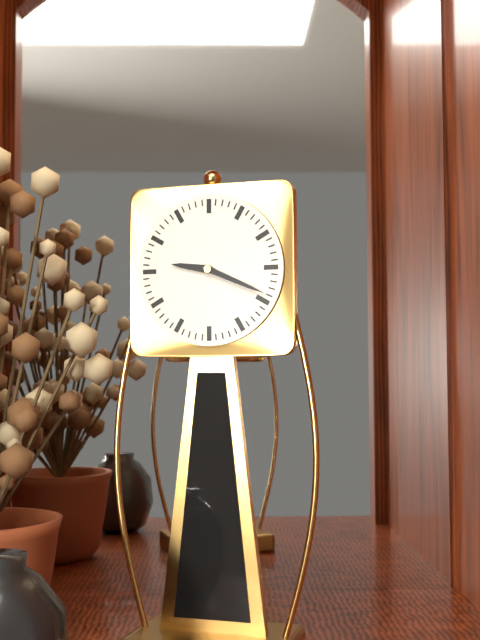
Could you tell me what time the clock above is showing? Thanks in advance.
9:19
